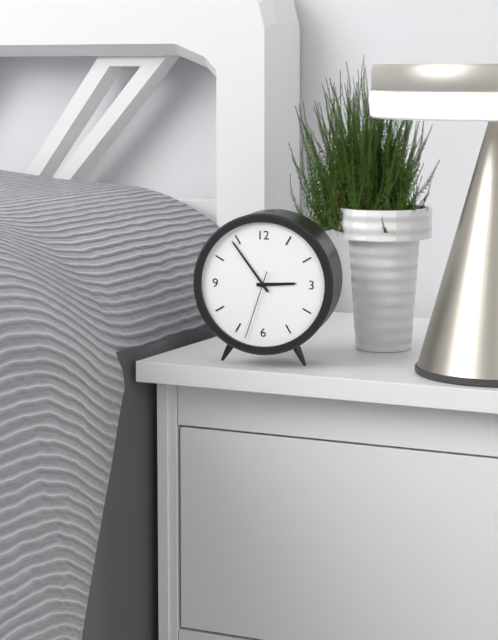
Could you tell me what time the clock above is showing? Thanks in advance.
2:54:33
